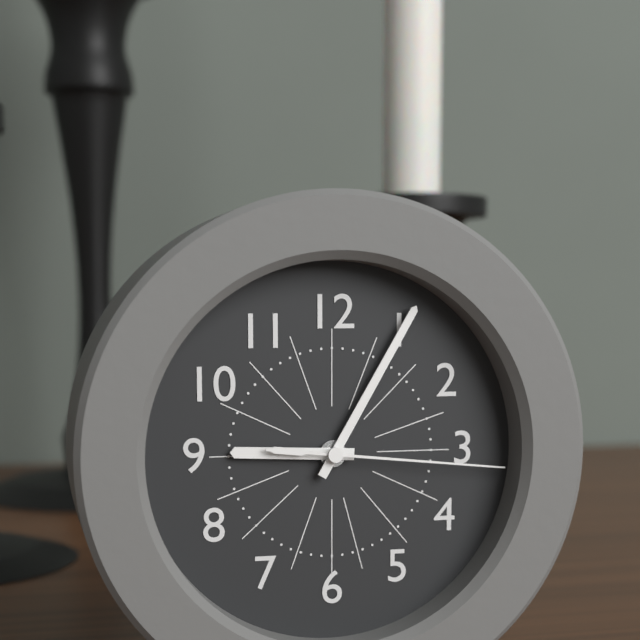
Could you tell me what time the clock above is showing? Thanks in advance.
9:05:16
